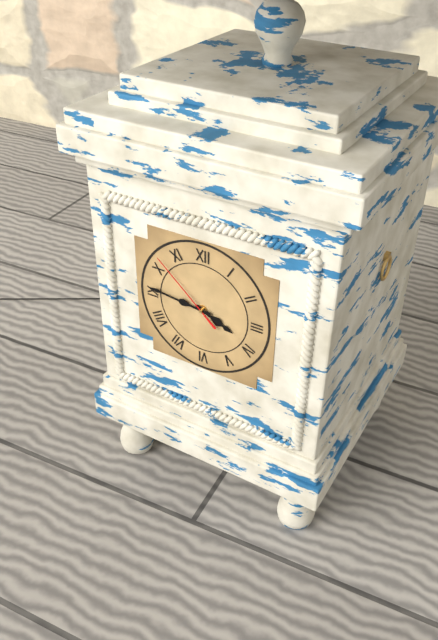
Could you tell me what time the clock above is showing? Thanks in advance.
3:46:52
